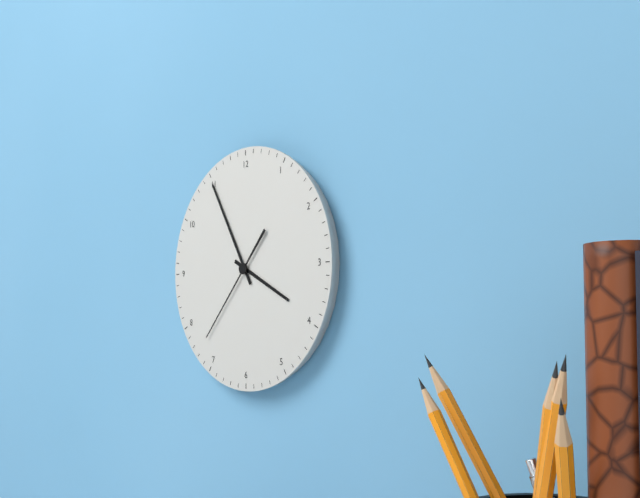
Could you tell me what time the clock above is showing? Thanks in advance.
3:55:37
